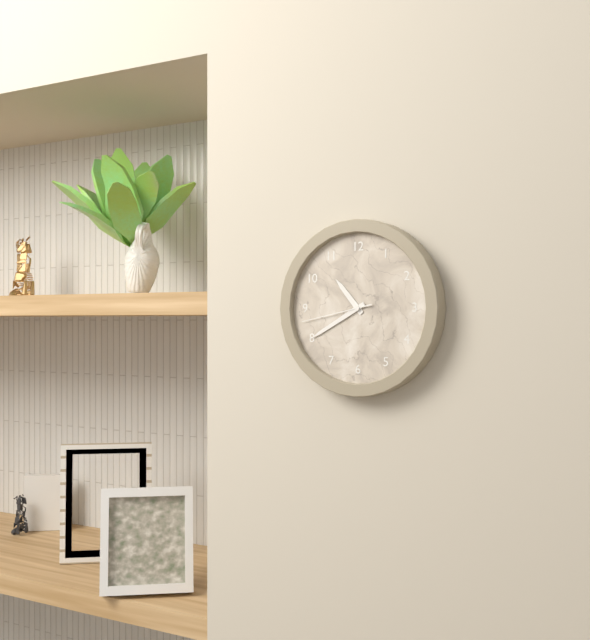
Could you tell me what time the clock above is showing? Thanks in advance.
10:40:43
